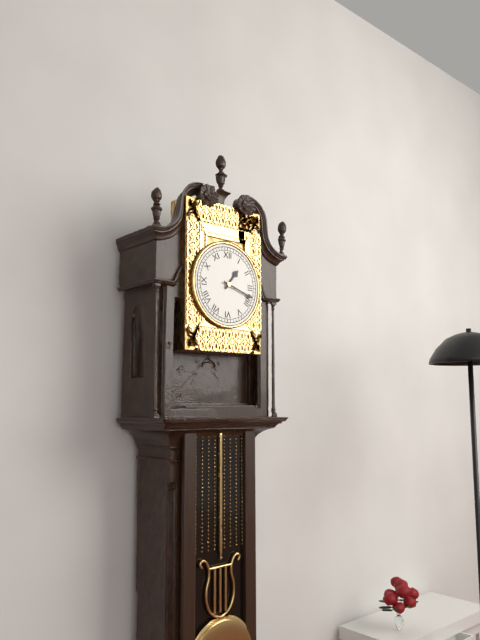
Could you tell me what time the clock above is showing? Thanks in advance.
1:18
